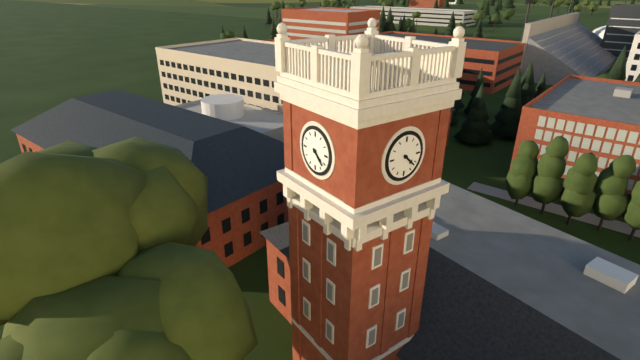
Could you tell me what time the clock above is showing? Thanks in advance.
4:22
